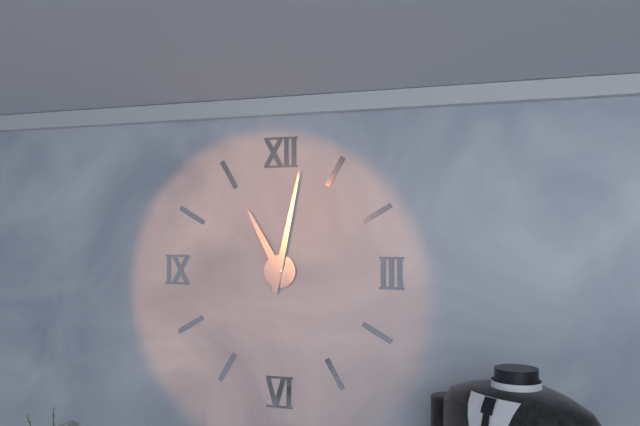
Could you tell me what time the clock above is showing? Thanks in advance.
11:02
